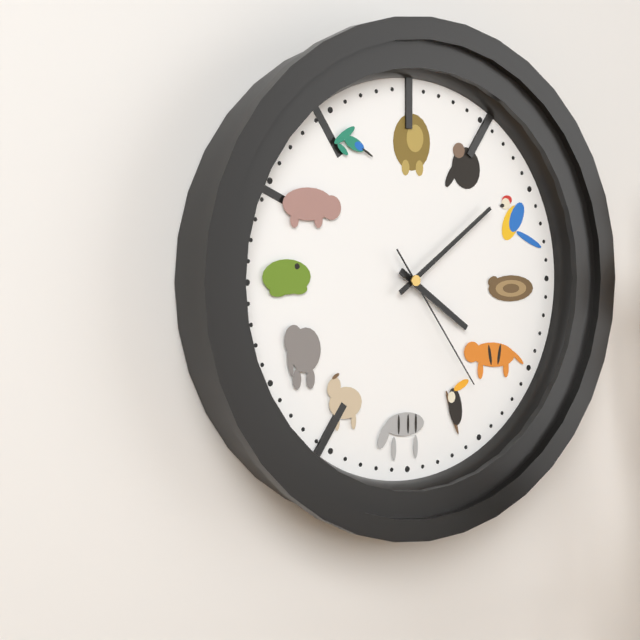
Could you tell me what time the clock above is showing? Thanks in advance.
4:09:24
